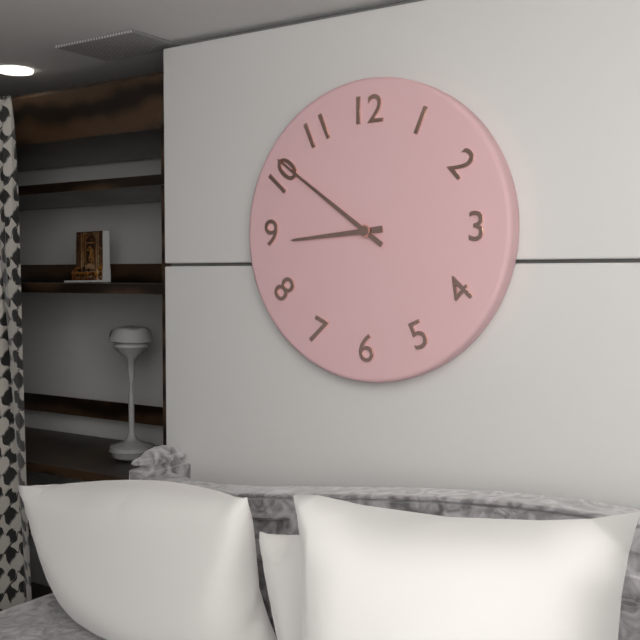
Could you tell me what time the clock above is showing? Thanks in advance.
8:51
